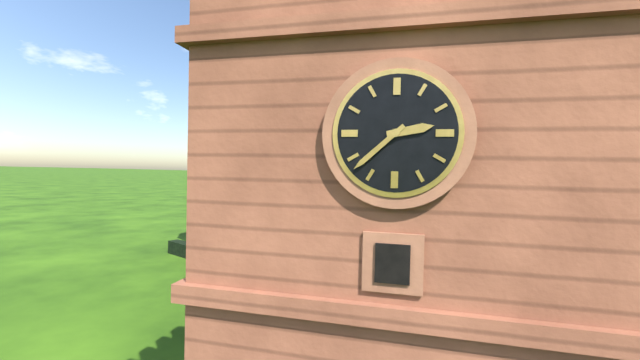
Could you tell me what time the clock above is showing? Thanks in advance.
2:38
